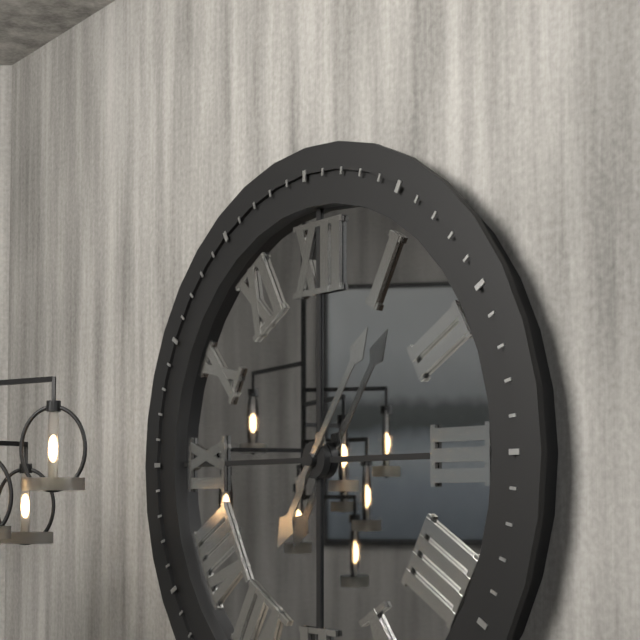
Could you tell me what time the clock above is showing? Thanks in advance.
7:06
